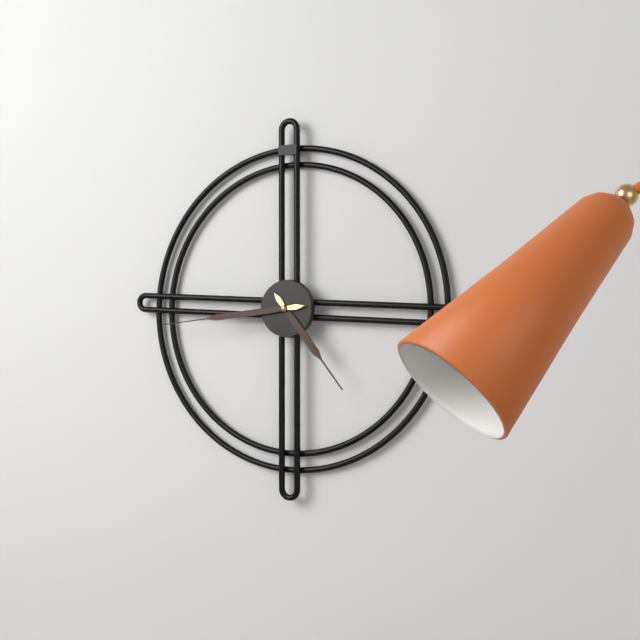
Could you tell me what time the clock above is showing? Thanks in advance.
4:44
